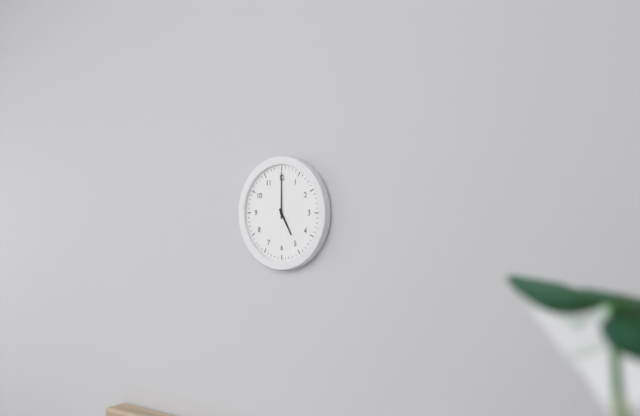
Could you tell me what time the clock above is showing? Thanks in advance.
5:00
